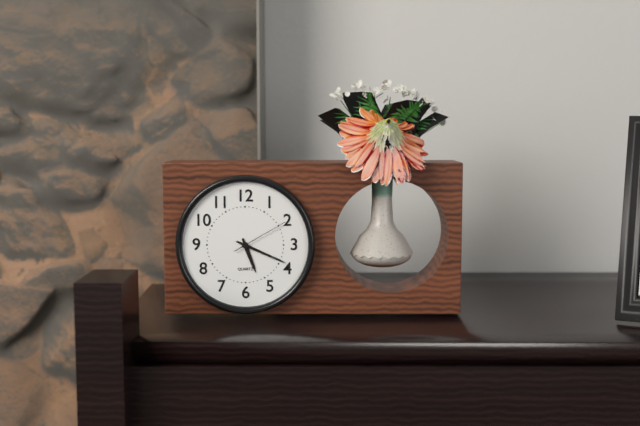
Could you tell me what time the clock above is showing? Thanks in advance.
5:19:10
